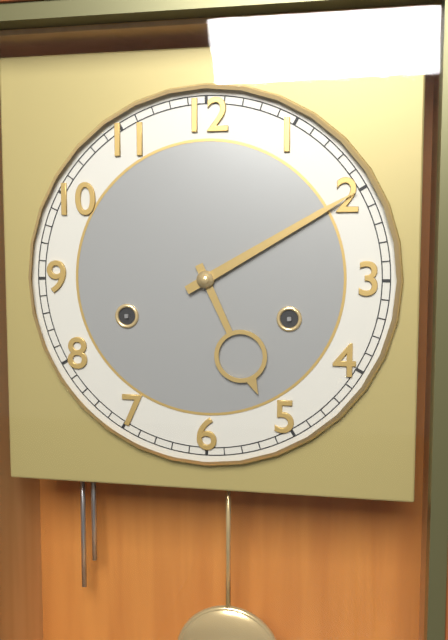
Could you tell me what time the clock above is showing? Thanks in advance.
5:10
